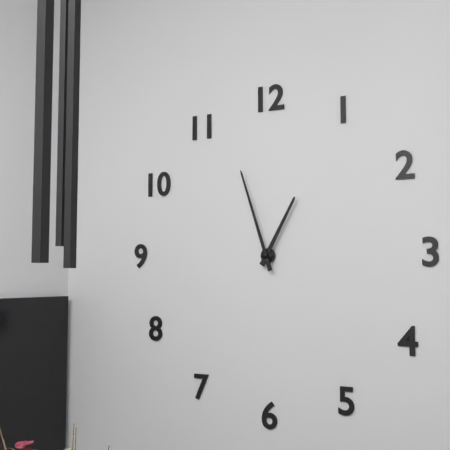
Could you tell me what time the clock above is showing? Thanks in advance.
12:57
